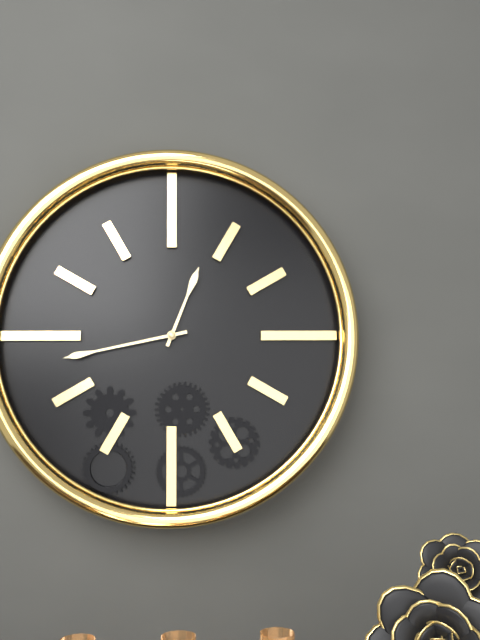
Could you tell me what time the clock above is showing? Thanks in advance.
12:43
